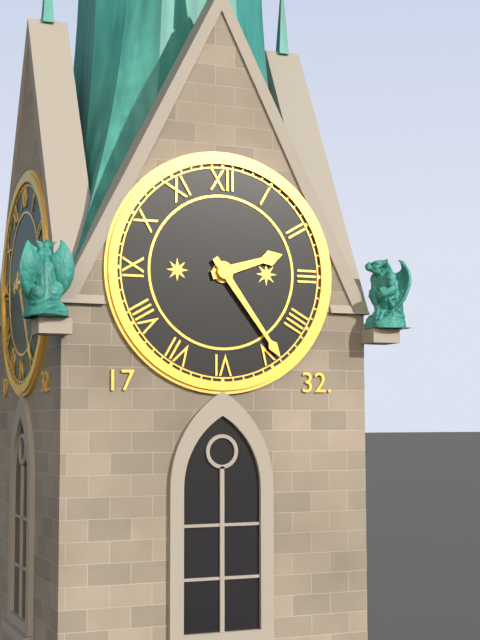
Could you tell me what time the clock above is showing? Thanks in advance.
2:24
